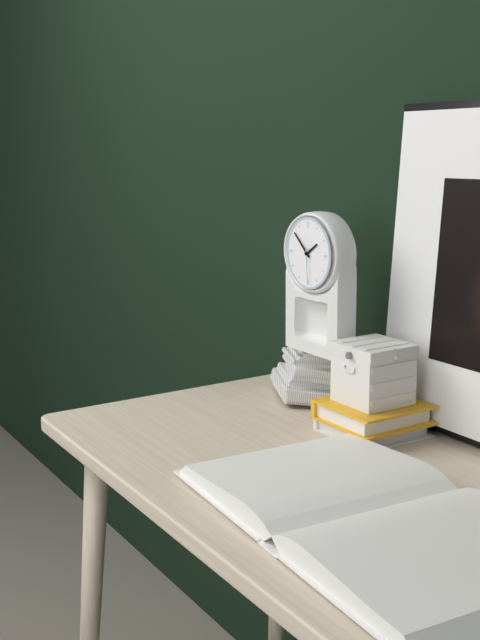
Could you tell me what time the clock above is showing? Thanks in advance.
1:52
